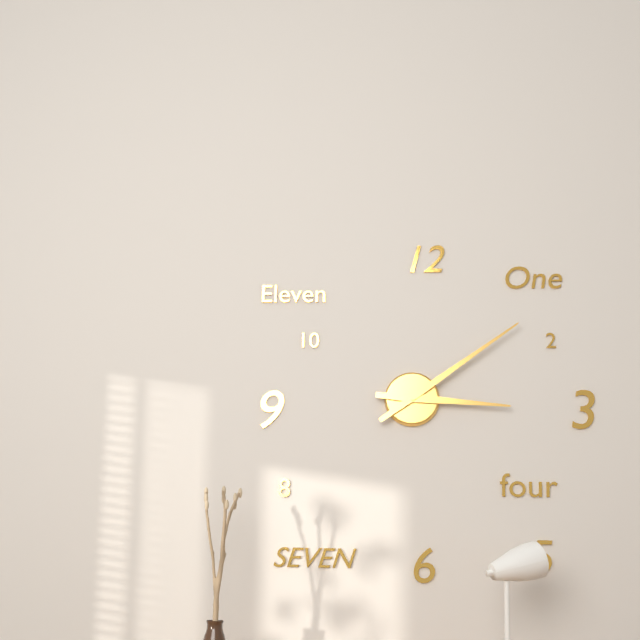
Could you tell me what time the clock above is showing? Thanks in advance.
3:09
